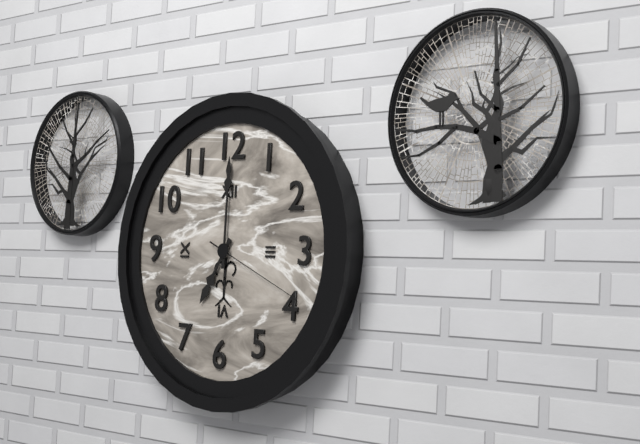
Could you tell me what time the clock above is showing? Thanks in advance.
7:00:19
